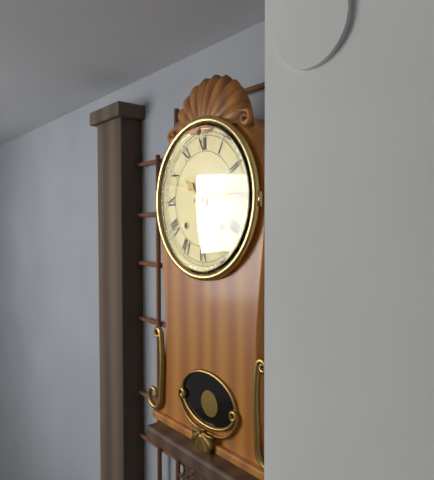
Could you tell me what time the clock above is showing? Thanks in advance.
10:14
